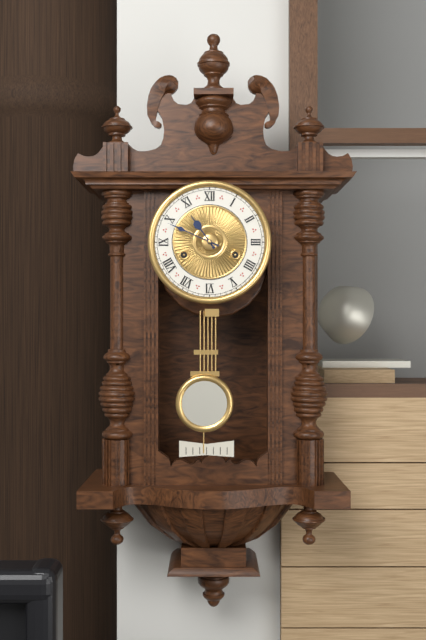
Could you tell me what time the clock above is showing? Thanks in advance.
10:49
